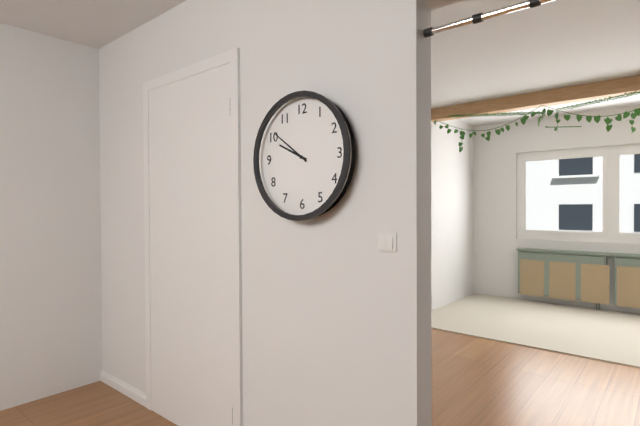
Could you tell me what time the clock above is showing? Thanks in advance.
9:51
